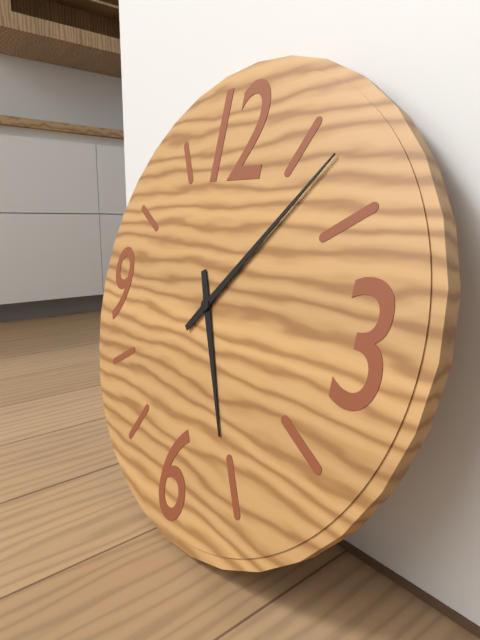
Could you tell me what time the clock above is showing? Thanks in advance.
5:07
